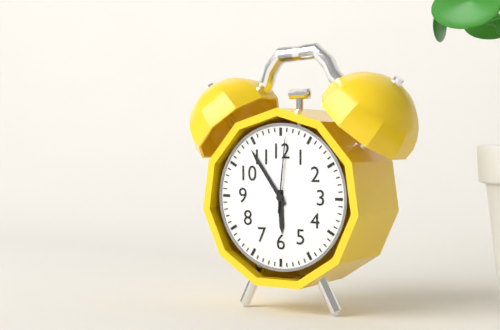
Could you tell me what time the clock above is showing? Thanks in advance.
5:54:01
